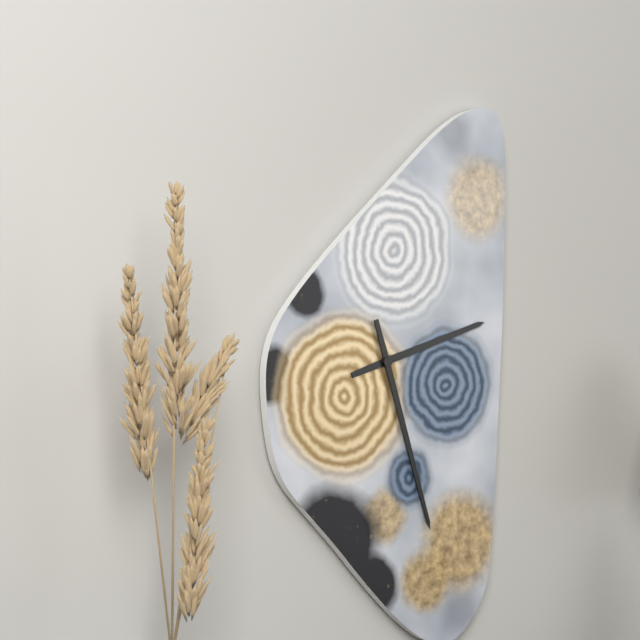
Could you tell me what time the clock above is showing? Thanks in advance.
2:27
